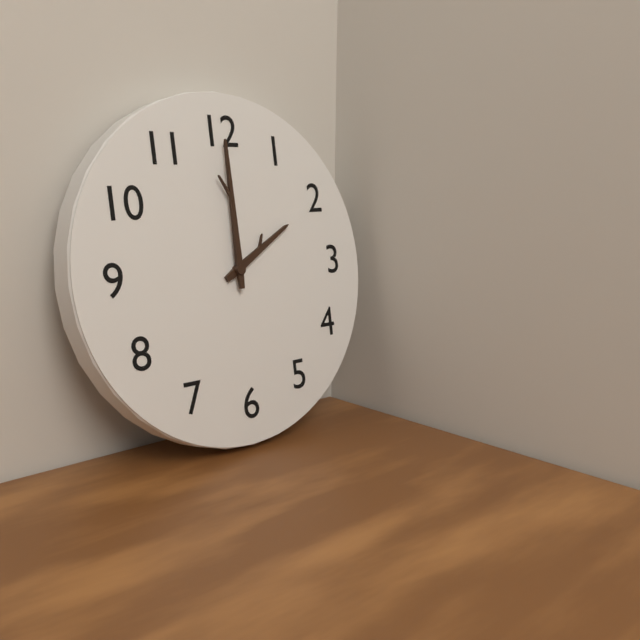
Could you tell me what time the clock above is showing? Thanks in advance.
2:00
